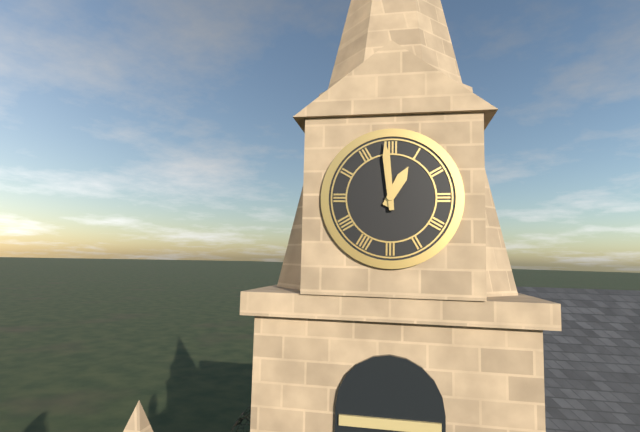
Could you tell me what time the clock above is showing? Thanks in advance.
12:59
